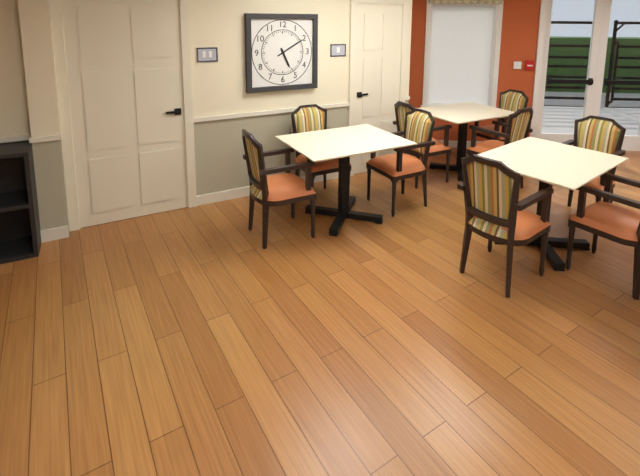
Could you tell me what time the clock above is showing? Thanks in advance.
5:10
